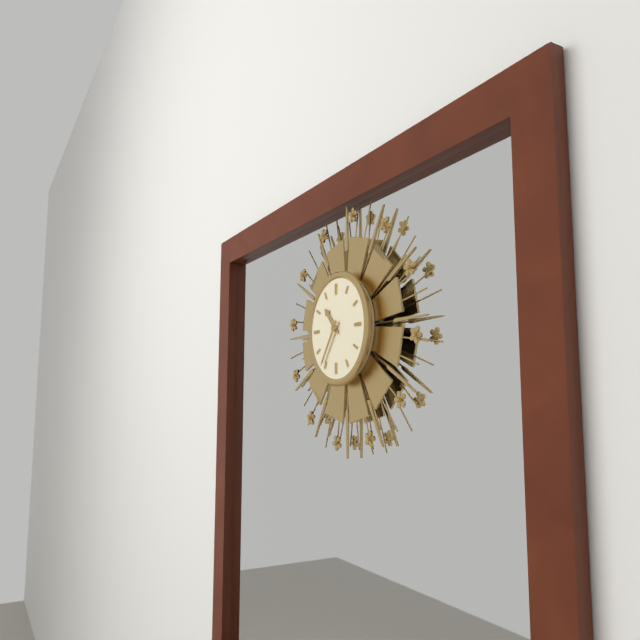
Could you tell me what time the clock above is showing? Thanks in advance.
10:36
